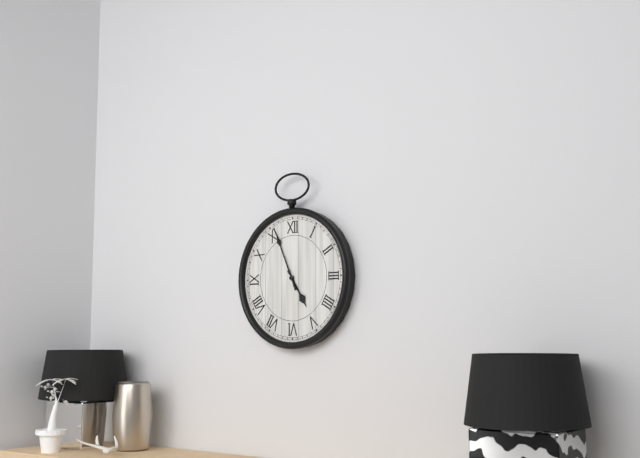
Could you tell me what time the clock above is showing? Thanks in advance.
4:56
